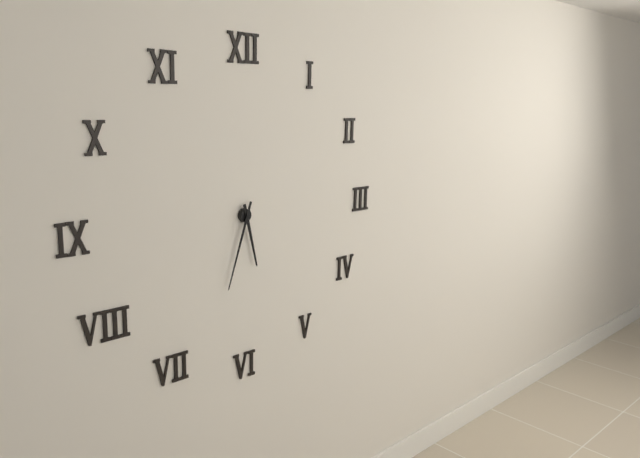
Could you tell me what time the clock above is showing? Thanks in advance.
5:33
